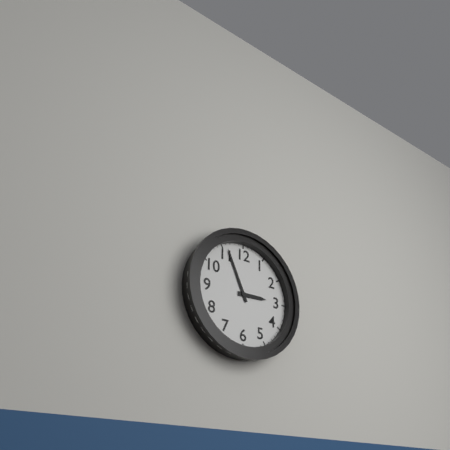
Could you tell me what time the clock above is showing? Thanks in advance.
2:56
